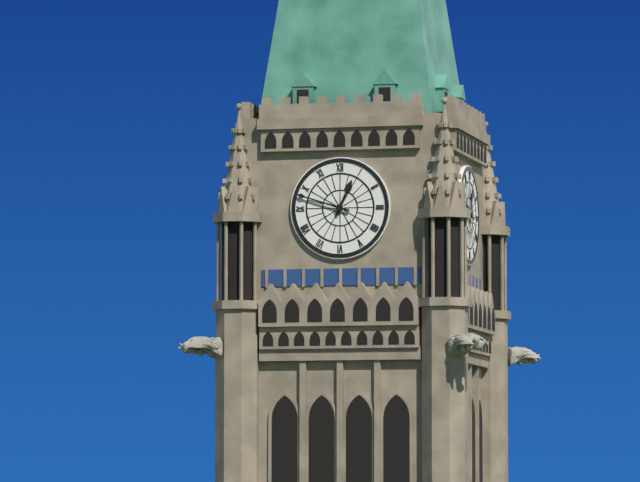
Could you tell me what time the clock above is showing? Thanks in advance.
12:48
